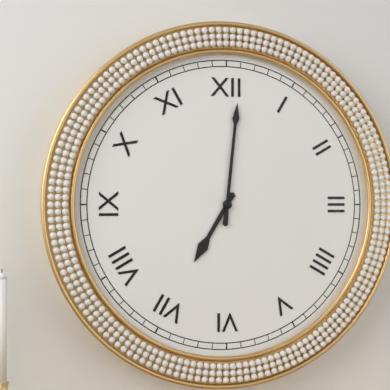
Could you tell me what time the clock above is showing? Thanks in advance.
7:01
